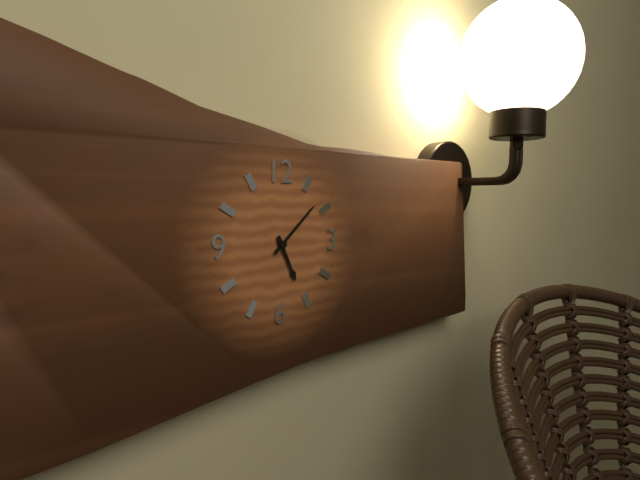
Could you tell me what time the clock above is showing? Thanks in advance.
5:08
